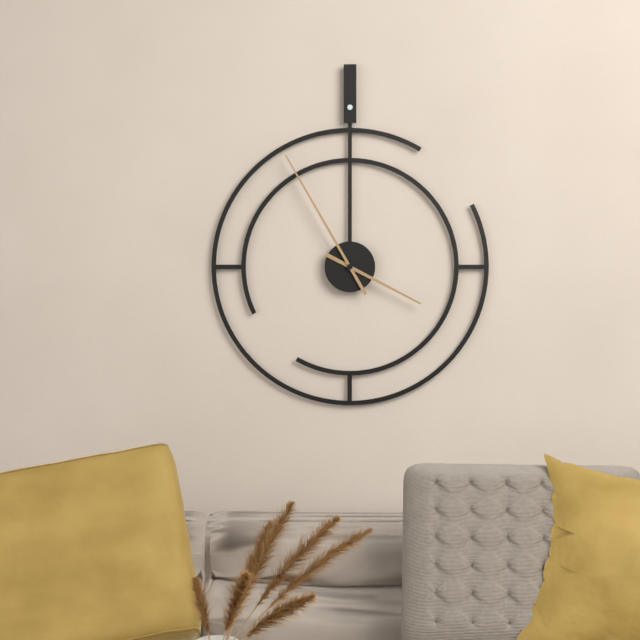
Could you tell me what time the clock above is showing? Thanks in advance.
3:55
